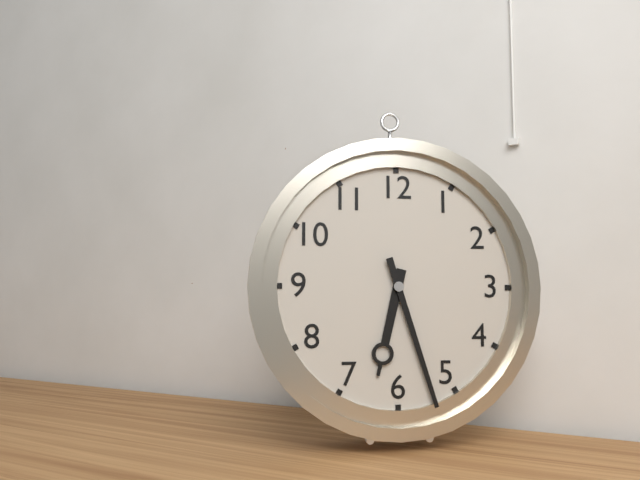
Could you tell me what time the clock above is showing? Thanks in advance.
6:27
